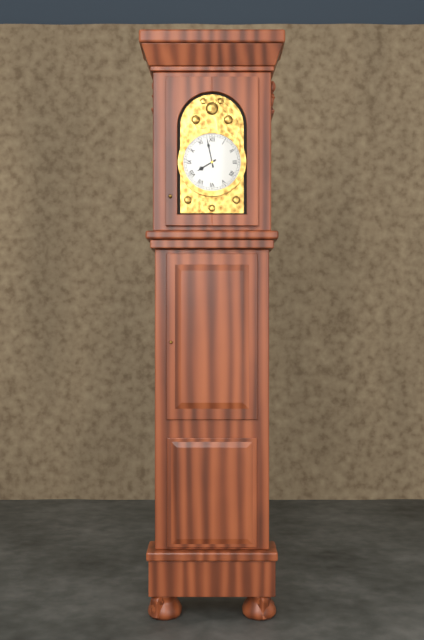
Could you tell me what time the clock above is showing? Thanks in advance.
7:58
